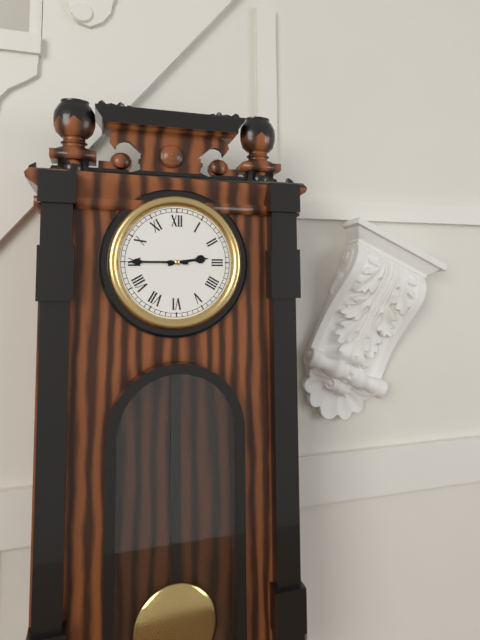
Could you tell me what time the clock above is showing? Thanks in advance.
2:45
